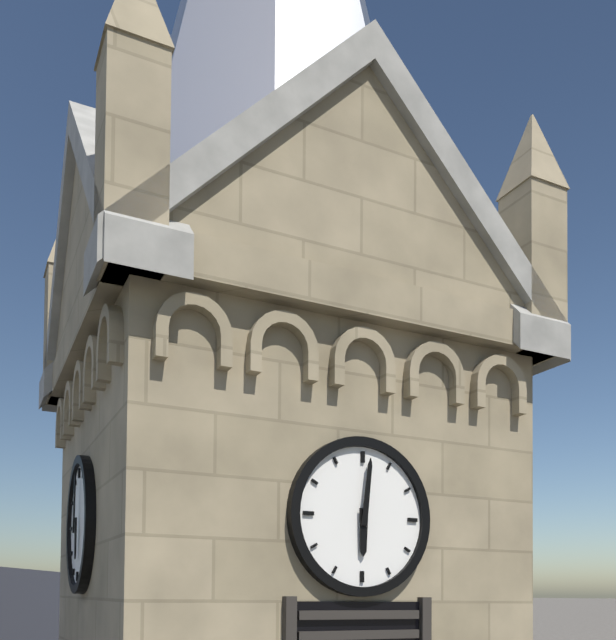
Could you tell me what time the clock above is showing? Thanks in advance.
6:01
